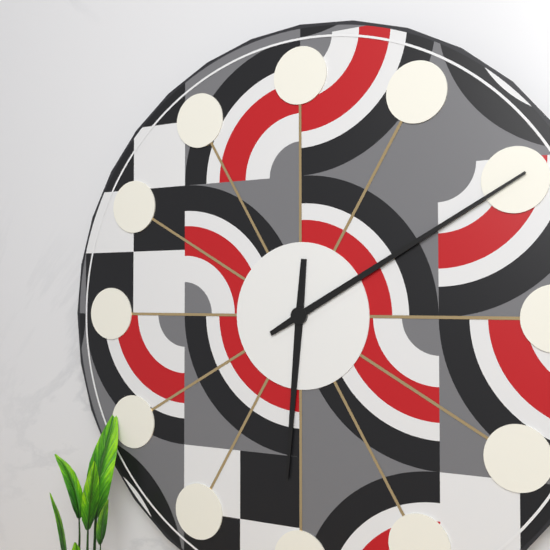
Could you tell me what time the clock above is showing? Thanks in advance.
6:10
